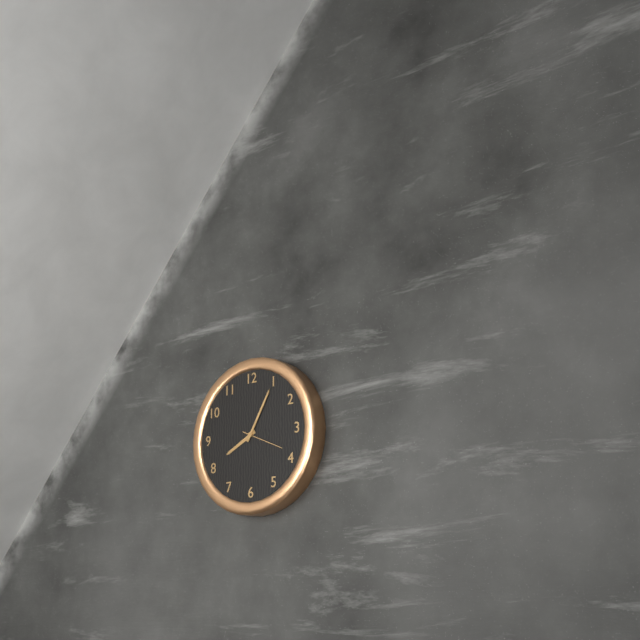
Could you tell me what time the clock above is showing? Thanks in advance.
8:05
